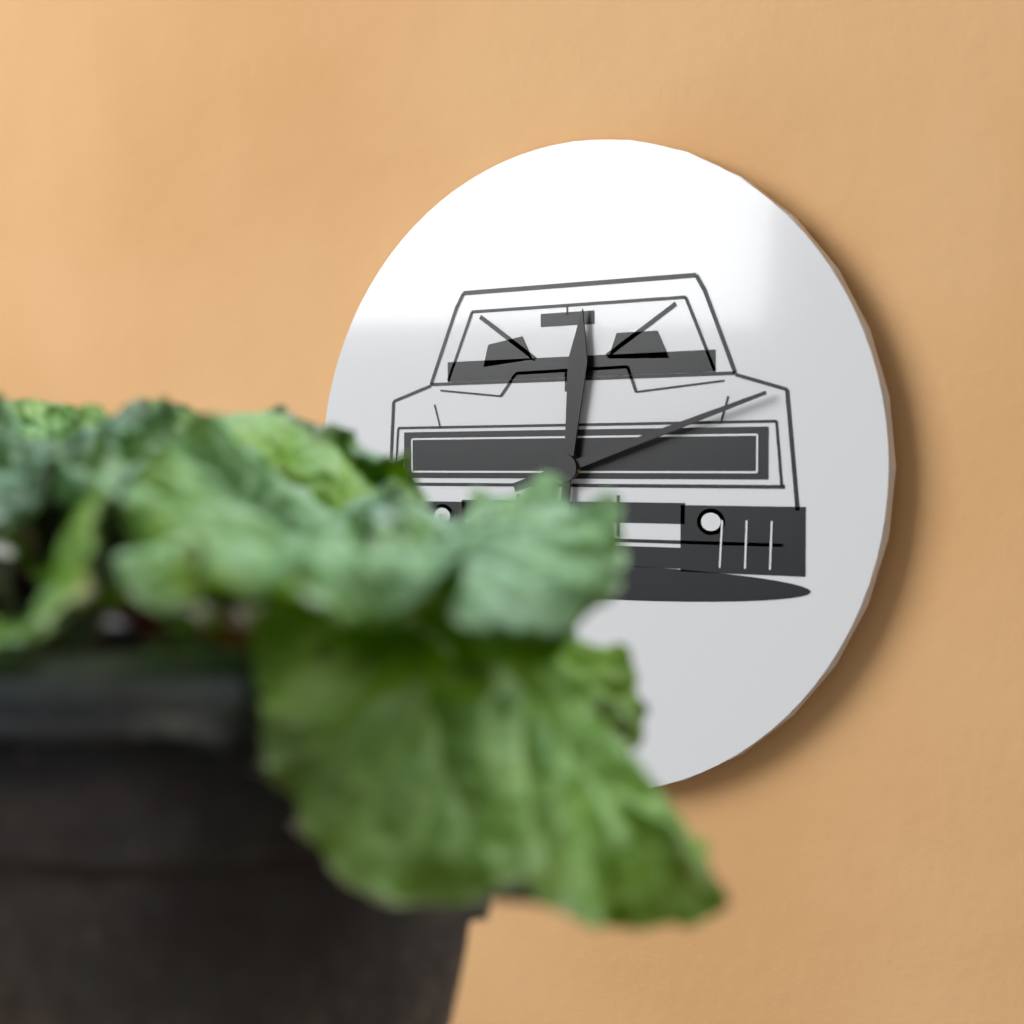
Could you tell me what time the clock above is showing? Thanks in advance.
12:12
